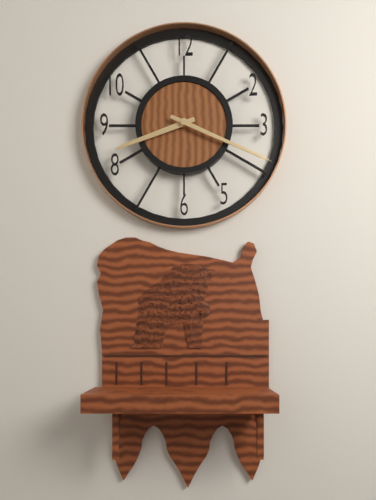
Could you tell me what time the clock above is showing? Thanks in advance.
8:19
